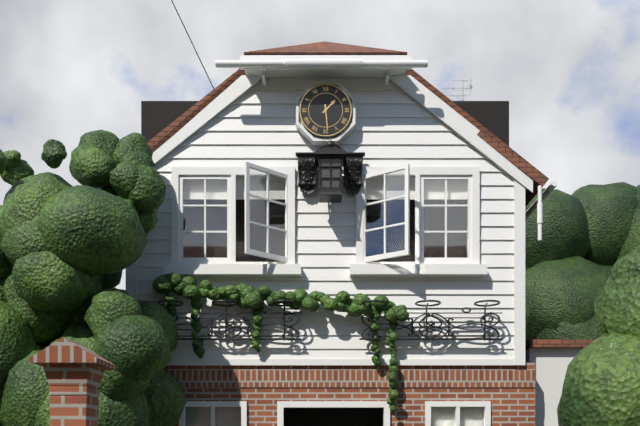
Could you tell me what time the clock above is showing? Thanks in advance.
1:29
